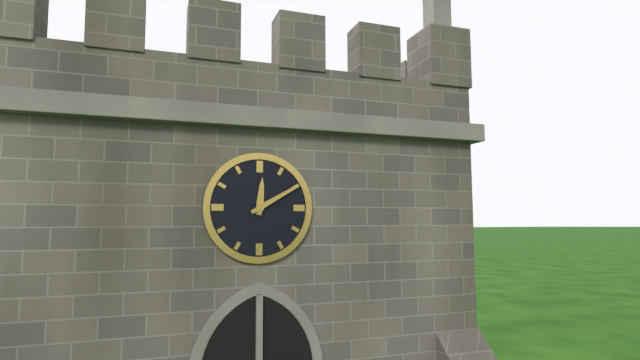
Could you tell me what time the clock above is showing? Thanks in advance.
12:10
